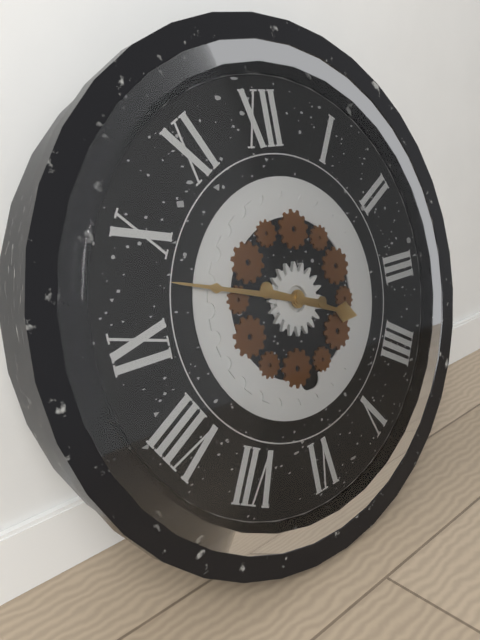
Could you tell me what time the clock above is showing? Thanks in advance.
3:48
